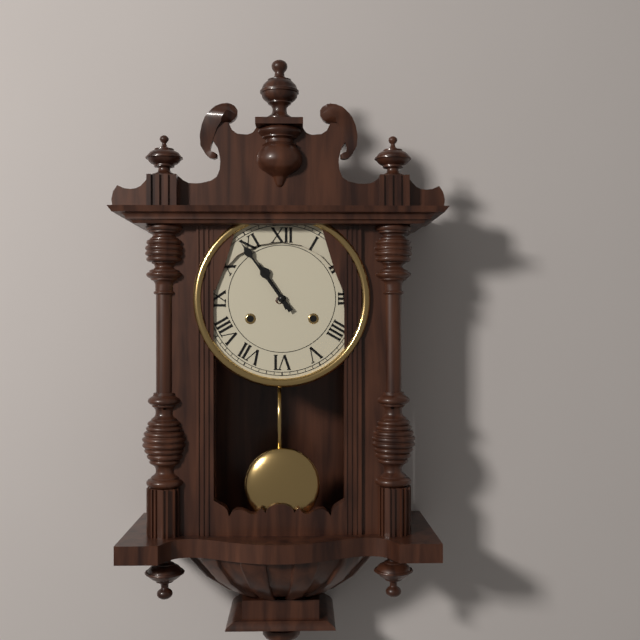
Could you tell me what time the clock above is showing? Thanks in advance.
10:54
